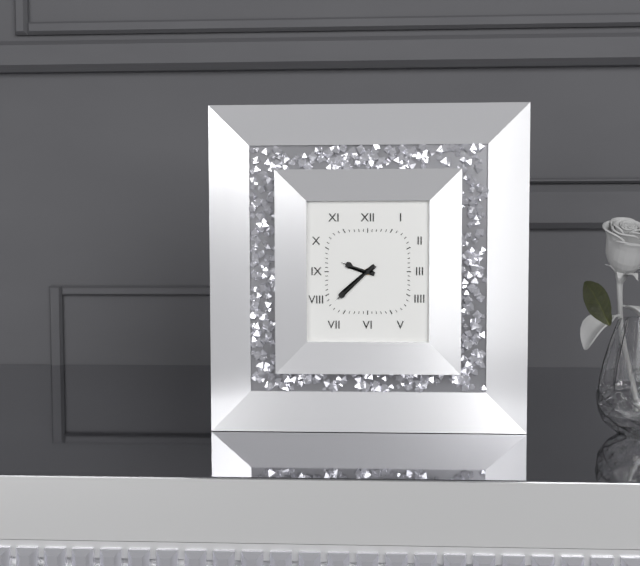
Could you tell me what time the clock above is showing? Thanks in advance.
9:38
